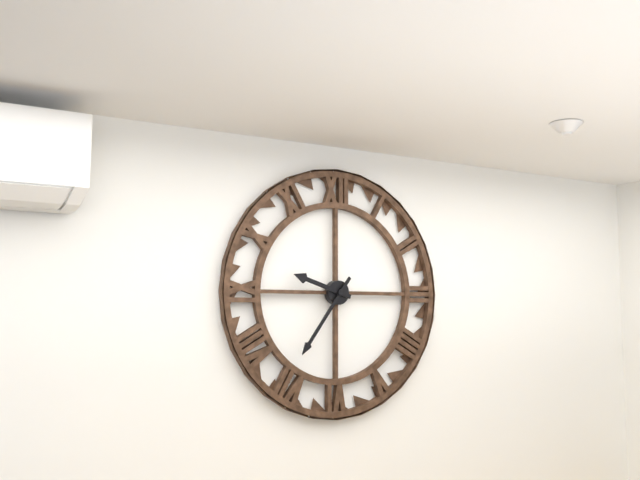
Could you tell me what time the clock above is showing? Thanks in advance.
9:36
